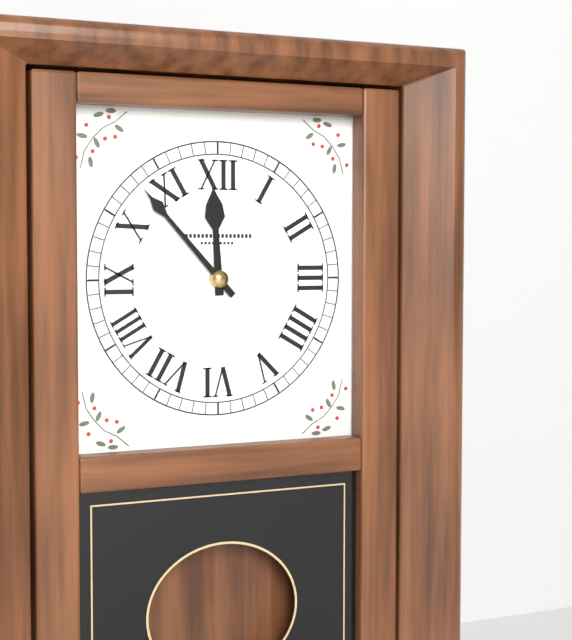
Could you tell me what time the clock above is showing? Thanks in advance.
11:53
